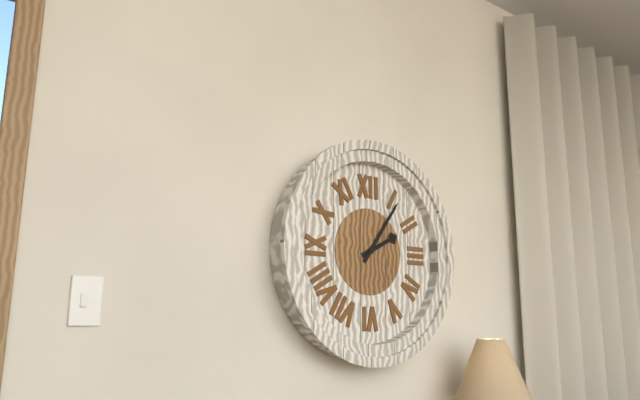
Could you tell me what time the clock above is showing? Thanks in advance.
2:06
